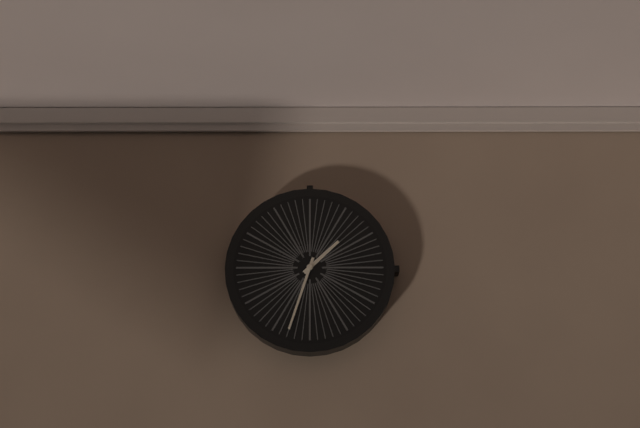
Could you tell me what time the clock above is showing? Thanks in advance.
1:33
